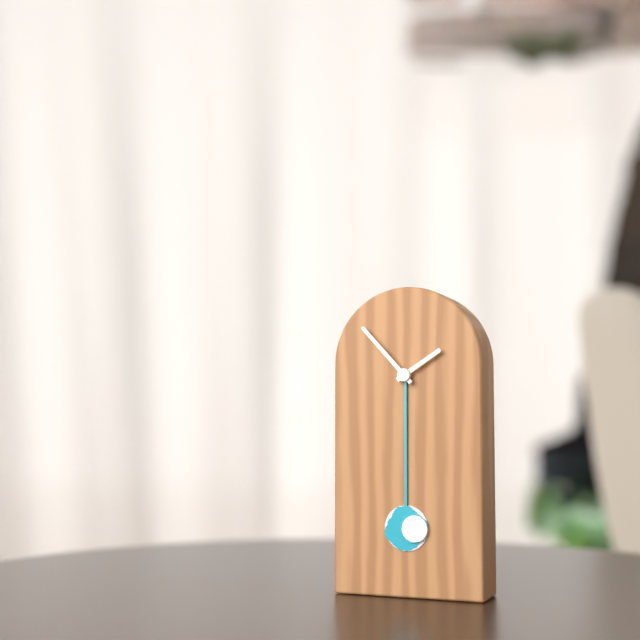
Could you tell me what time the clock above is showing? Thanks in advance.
1:53
